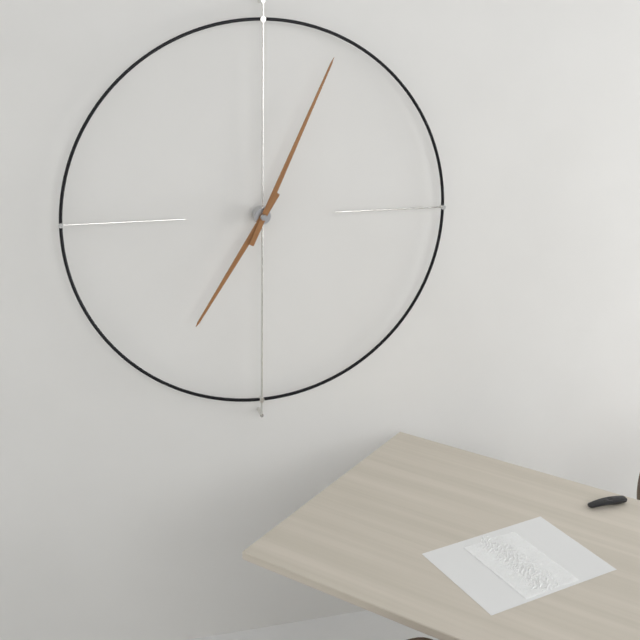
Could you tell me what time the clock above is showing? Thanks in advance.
7:04
